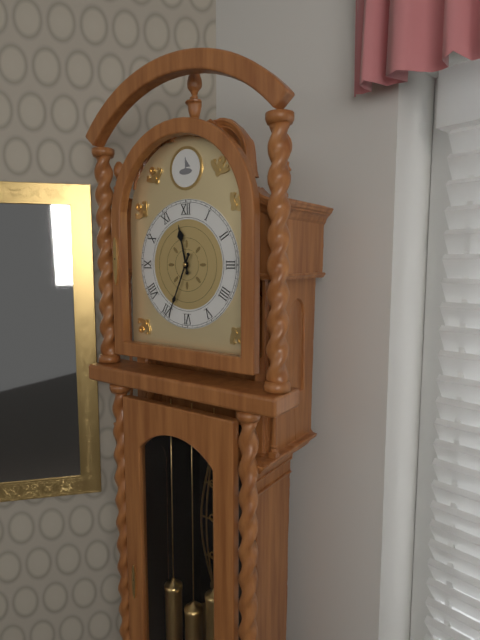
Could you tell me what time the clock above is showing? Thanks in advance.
11:34
